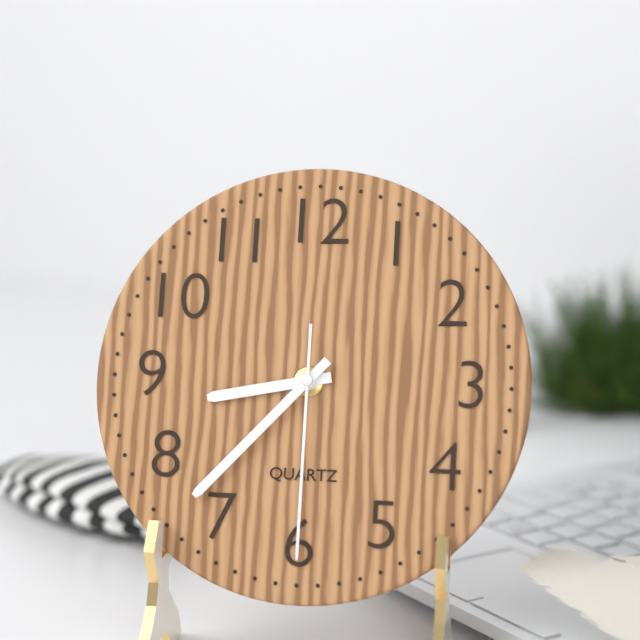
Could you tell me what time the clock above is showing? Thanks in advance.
8:37:30
